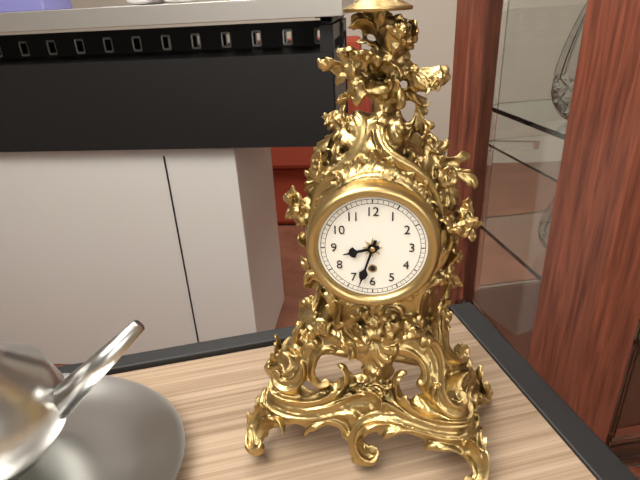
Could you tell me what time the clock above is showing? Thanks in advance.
8:33
